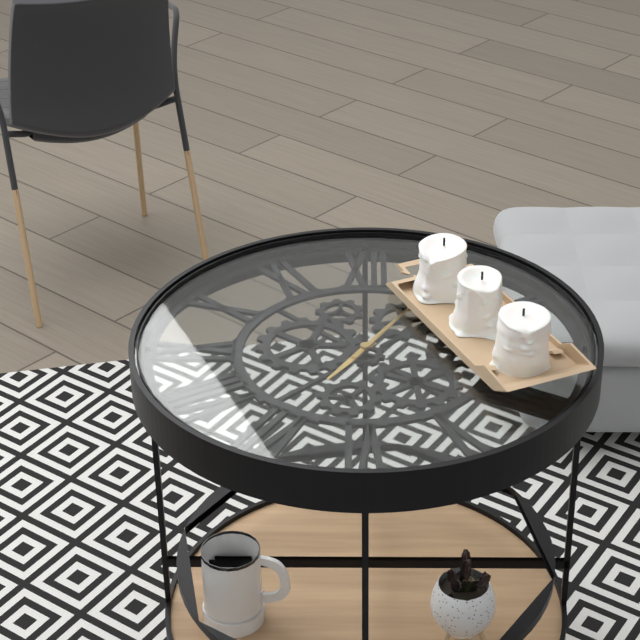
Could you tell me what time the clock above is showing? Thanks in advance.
7:05
